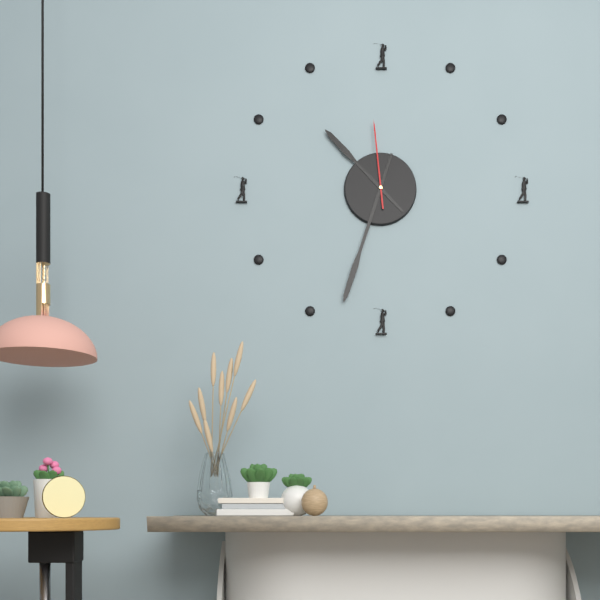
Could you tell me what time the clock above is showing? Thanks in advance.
10:33:59
